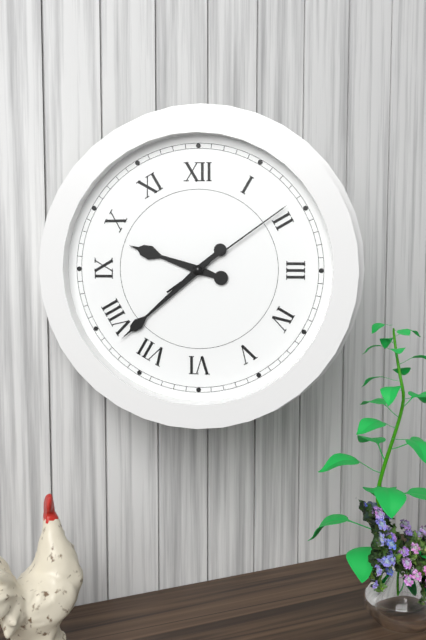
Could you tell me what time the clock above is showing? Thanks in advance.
9:38:09
